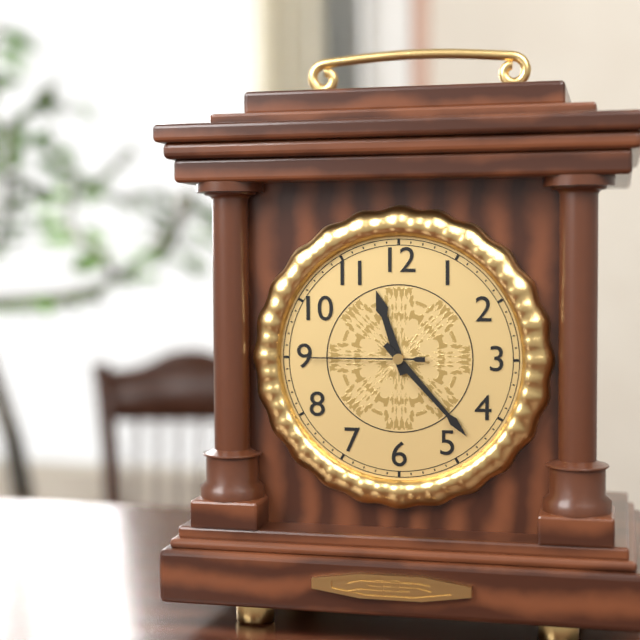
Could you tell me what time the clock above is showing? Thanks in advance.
11:23:45
